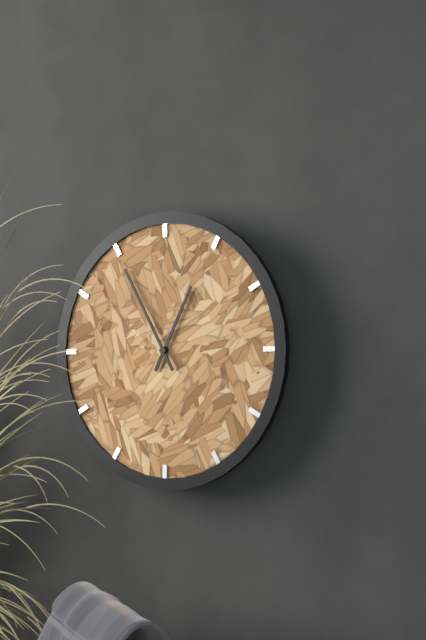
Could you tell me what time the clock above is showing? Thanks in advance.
12:55
